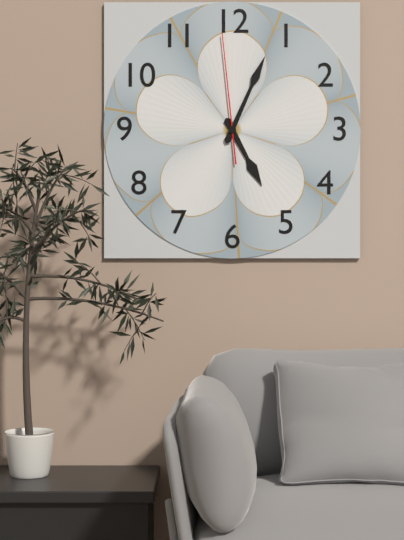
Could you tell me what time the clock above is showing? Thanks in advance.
5:04:59
